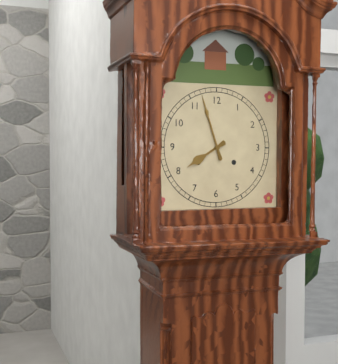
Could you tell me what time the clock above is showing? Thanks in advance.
7:57
